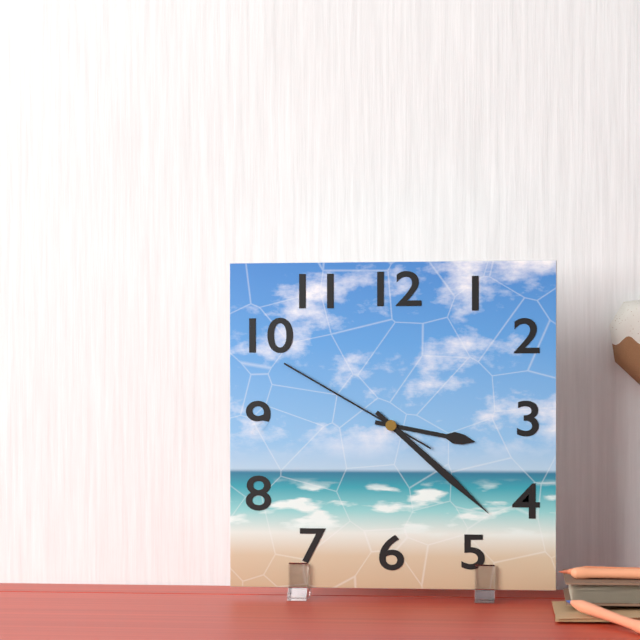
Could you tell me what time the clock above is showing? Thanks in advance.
3:22:50
